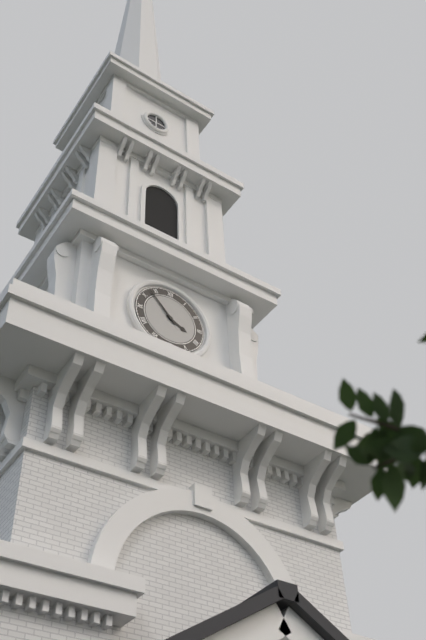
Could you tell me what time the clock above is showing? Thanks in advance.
3:53
